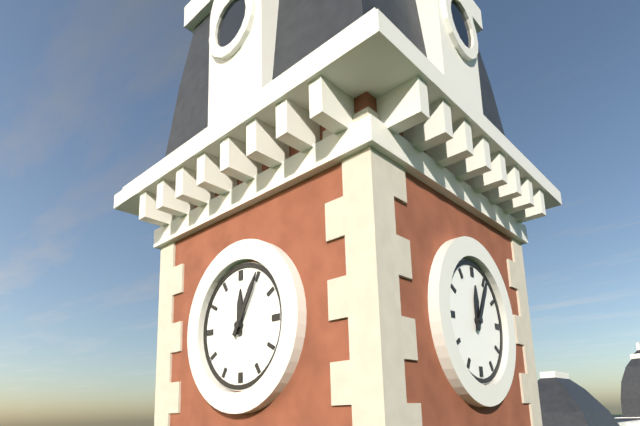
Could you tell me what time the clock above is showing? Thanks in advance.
12:05
